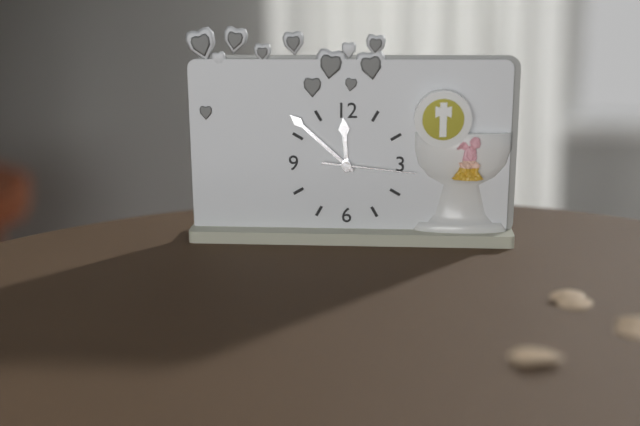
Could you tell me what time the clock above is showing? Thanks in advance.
11:52:16
